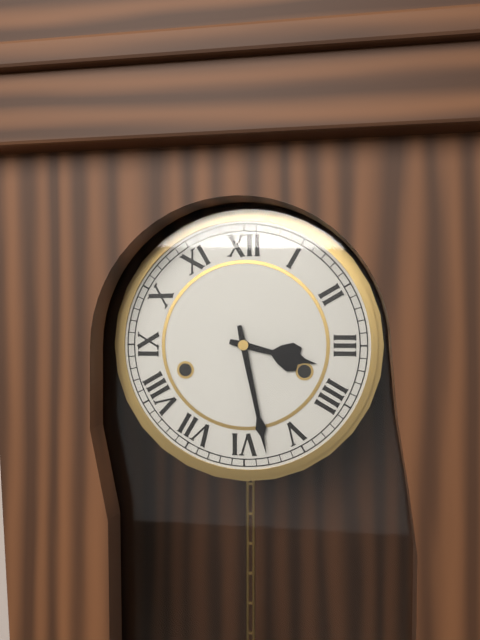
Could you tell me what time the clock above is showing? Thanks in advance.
3:28
